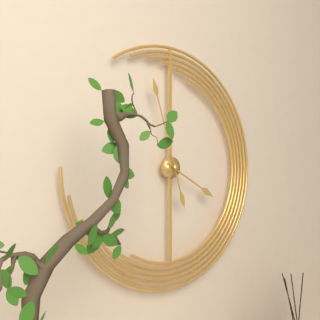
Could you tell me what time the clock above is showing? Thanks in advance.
3:57
